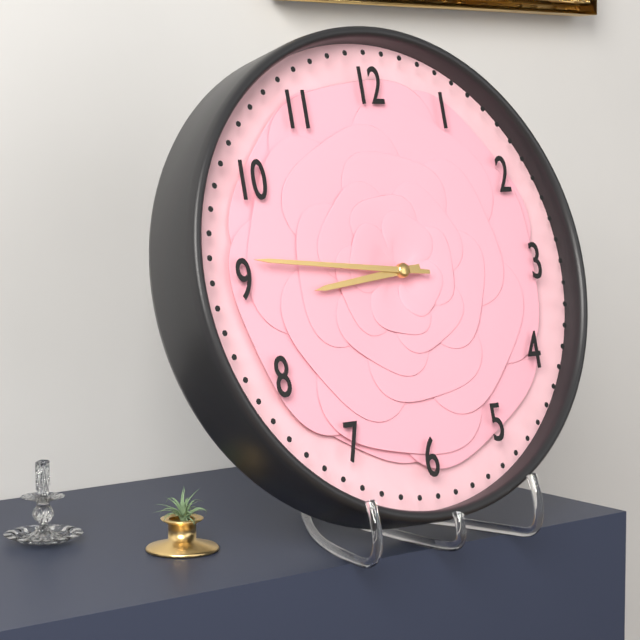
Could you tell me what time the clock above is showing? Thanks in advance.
8:46
